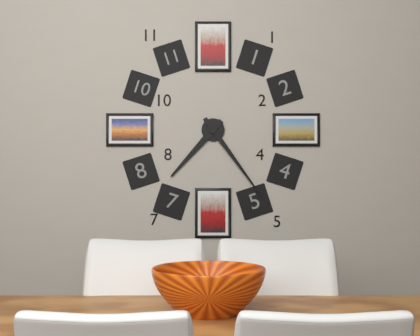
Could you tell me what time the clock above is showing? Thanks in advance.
7:24
